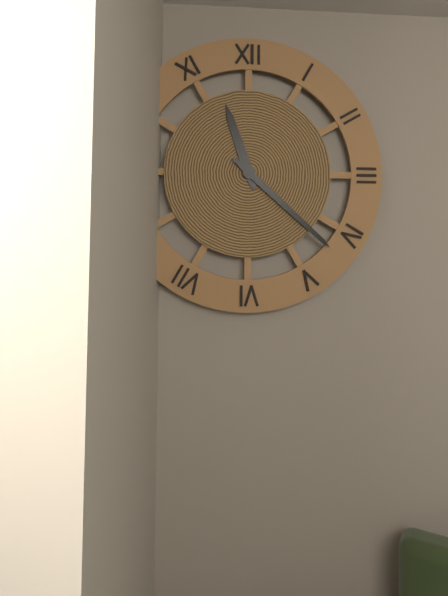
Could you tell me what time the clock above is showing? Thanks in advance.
11:22
